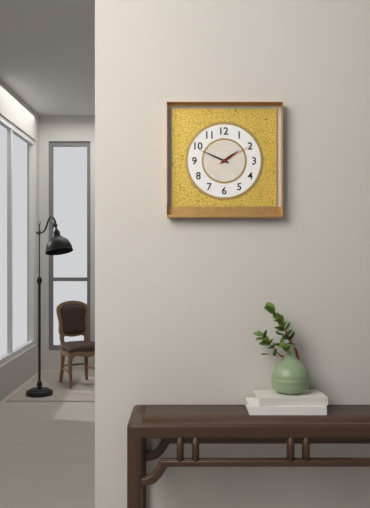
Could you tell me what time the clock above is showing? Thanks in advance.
1:49
